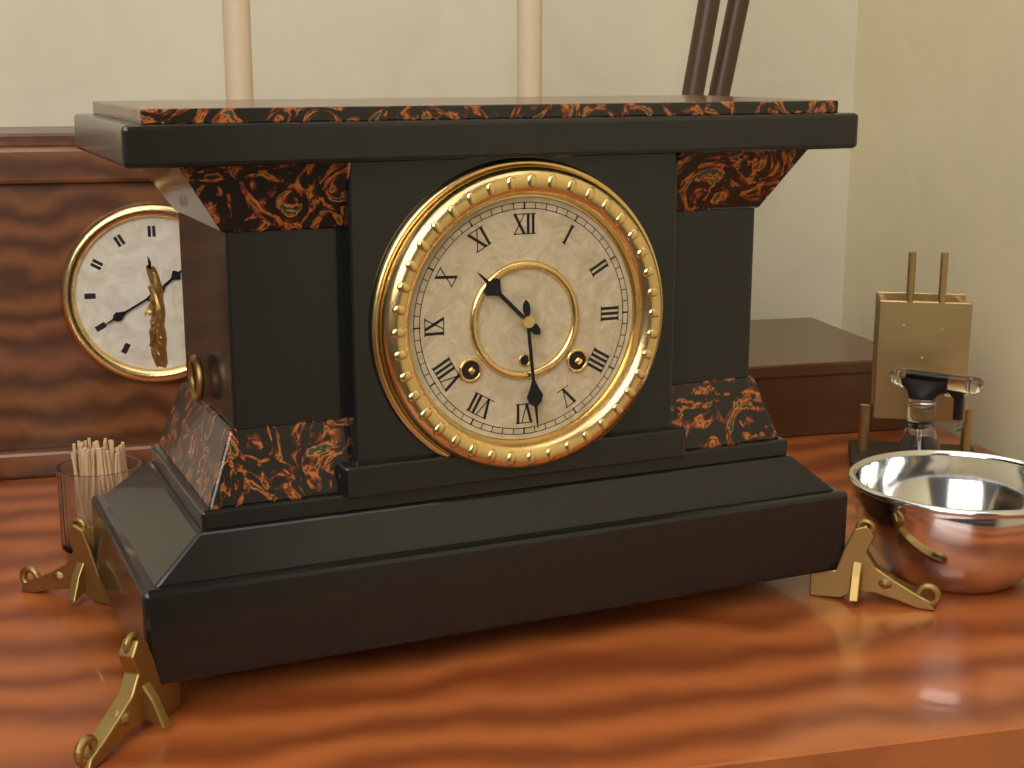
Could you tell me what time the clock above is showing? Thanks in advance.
10:29
